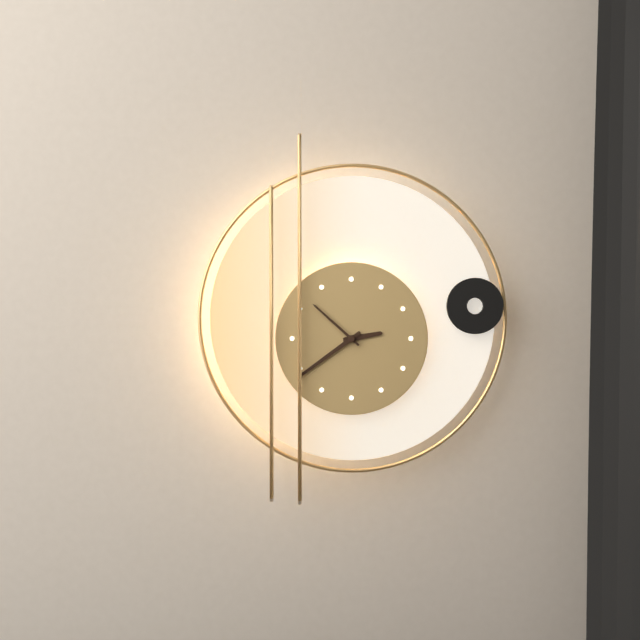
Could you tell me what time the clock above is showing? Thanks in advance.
2:39:52
